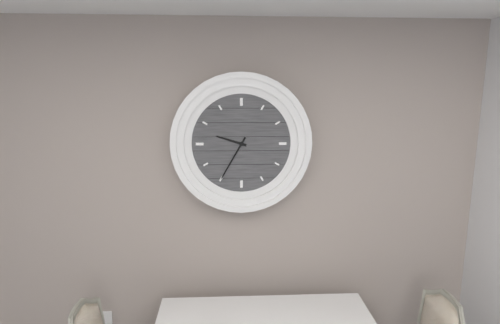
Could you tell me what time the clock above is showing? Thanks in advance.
9:35
